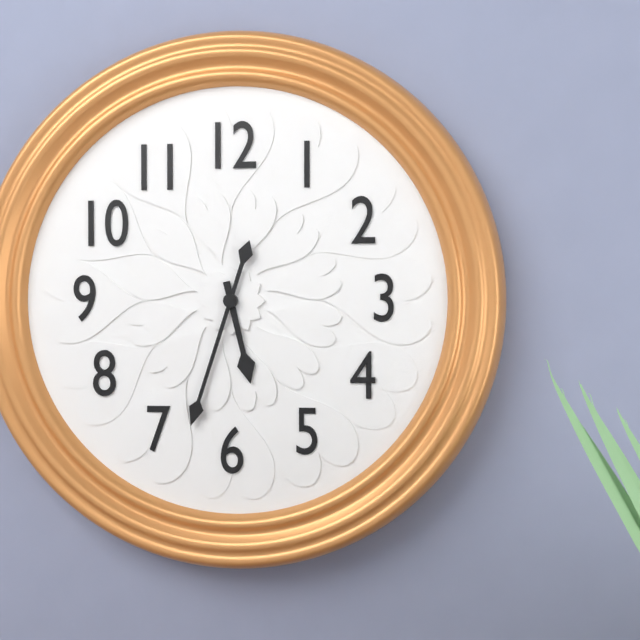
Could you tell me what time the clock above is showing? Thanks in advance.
5:33
